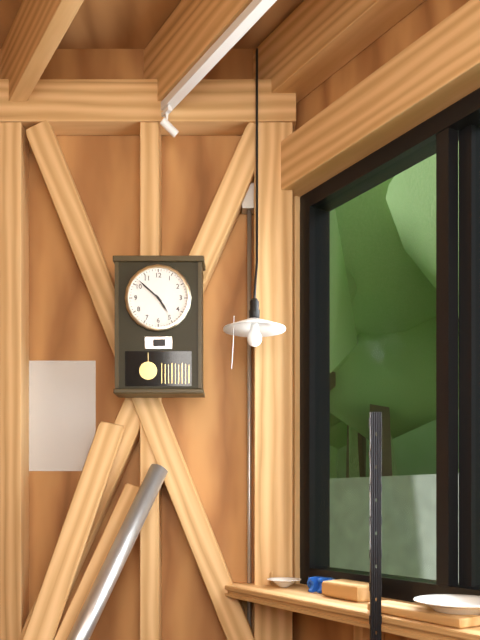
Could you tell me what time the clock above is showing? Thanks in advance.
4:52
